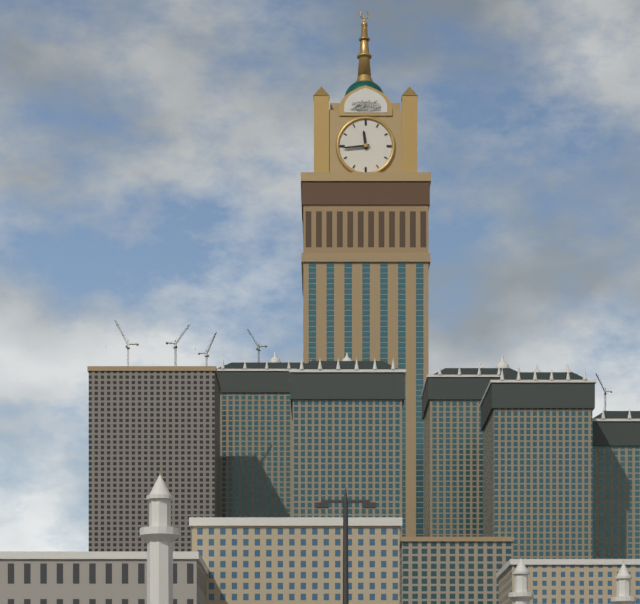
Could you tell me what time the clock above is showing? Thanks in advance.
11:44
